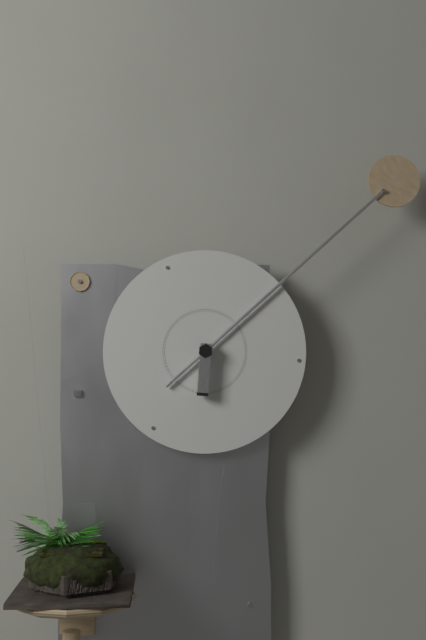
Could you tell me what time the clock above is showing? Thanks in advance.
6:08
